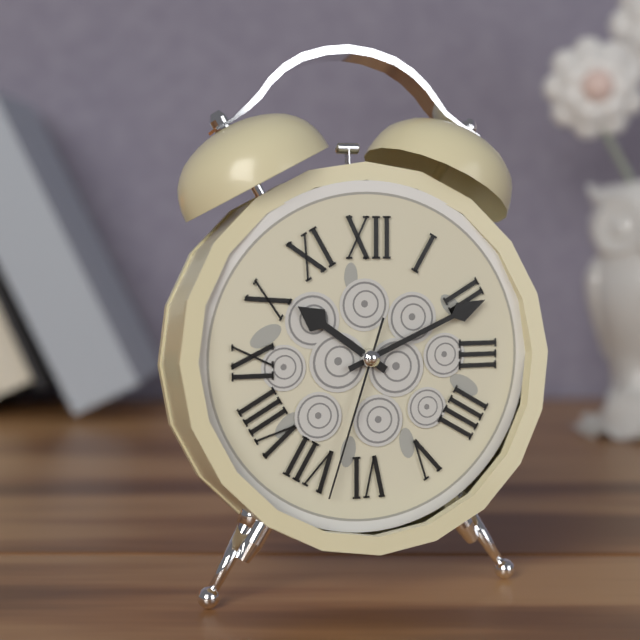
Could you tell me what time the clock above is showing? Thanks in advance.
10:11:33
